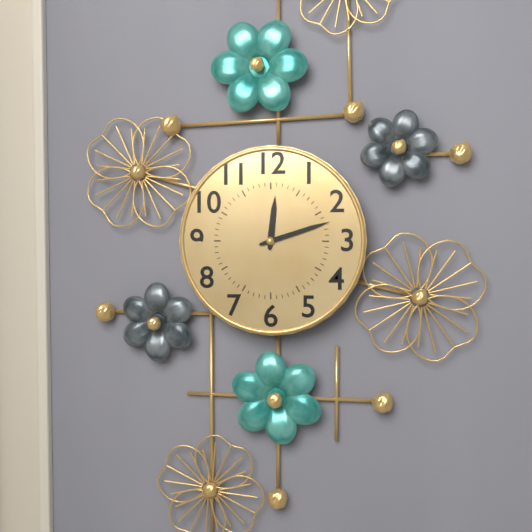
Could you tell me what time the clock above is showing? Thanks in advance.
12:12
